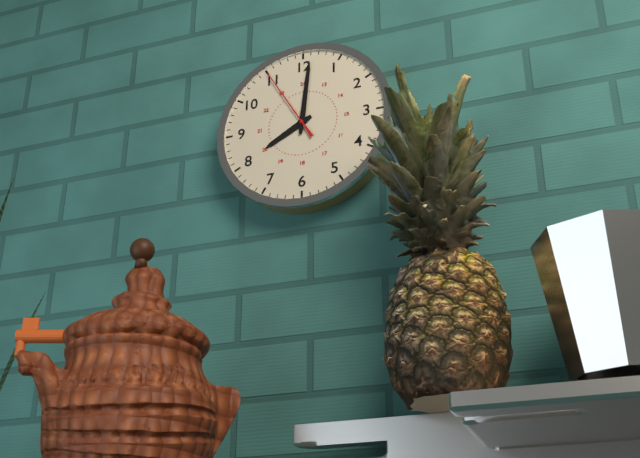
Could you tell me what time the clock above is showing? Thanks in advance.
8:01:55
